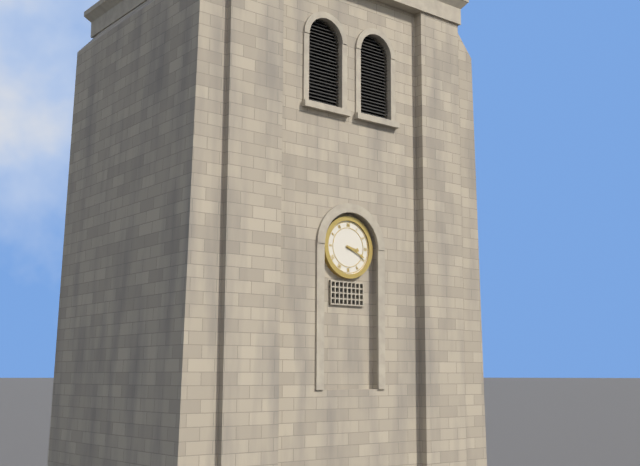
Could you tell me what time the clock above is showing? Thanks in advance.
3:19
